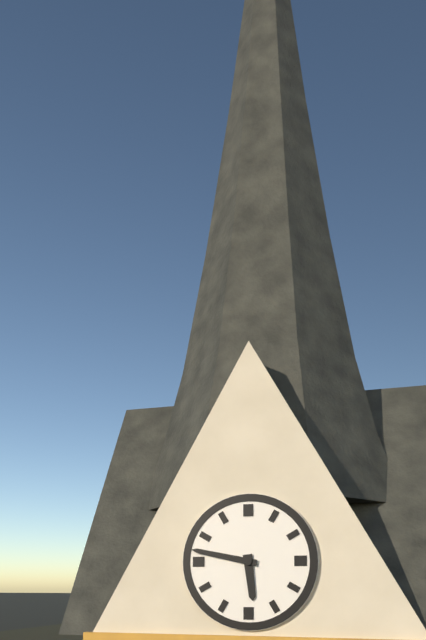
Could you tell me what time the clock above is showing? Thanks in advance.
5:47
